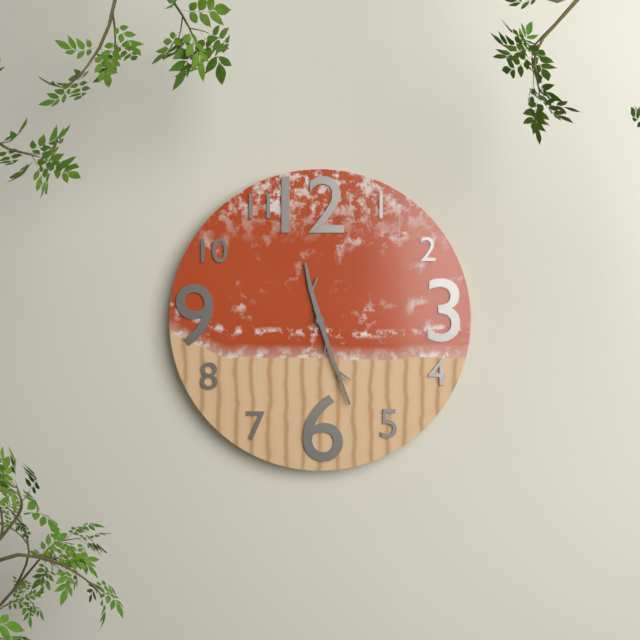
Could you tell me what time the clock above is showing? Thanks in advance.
11:27
